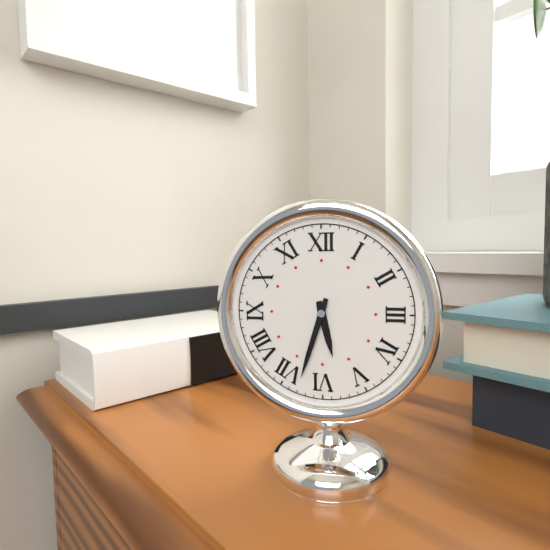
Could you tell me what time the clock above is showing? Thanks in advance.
5:33
